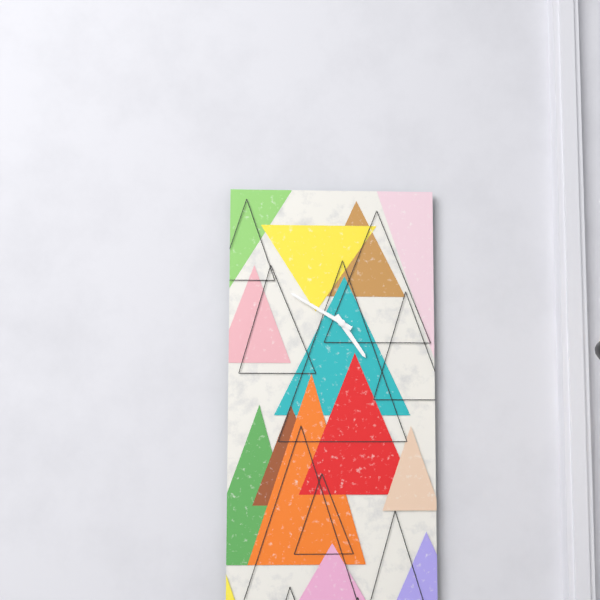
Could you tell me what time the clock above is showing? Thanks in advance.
4:50
